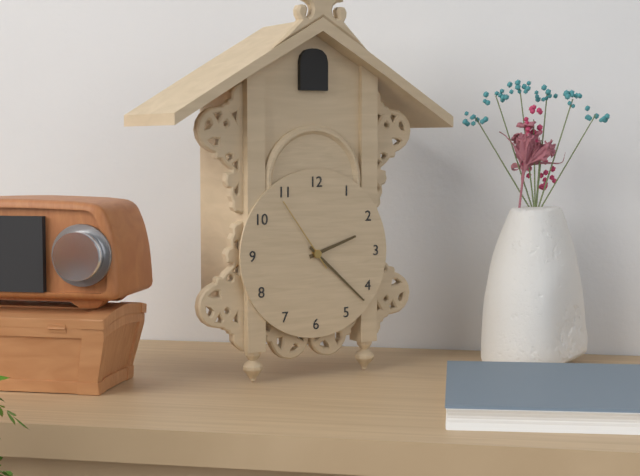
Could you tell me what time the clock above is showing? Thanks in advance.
2:22:54
